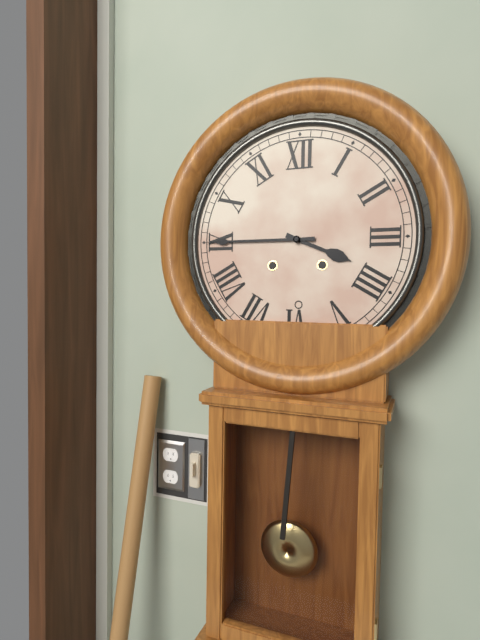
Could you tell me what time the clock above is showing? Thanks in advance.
3:45
